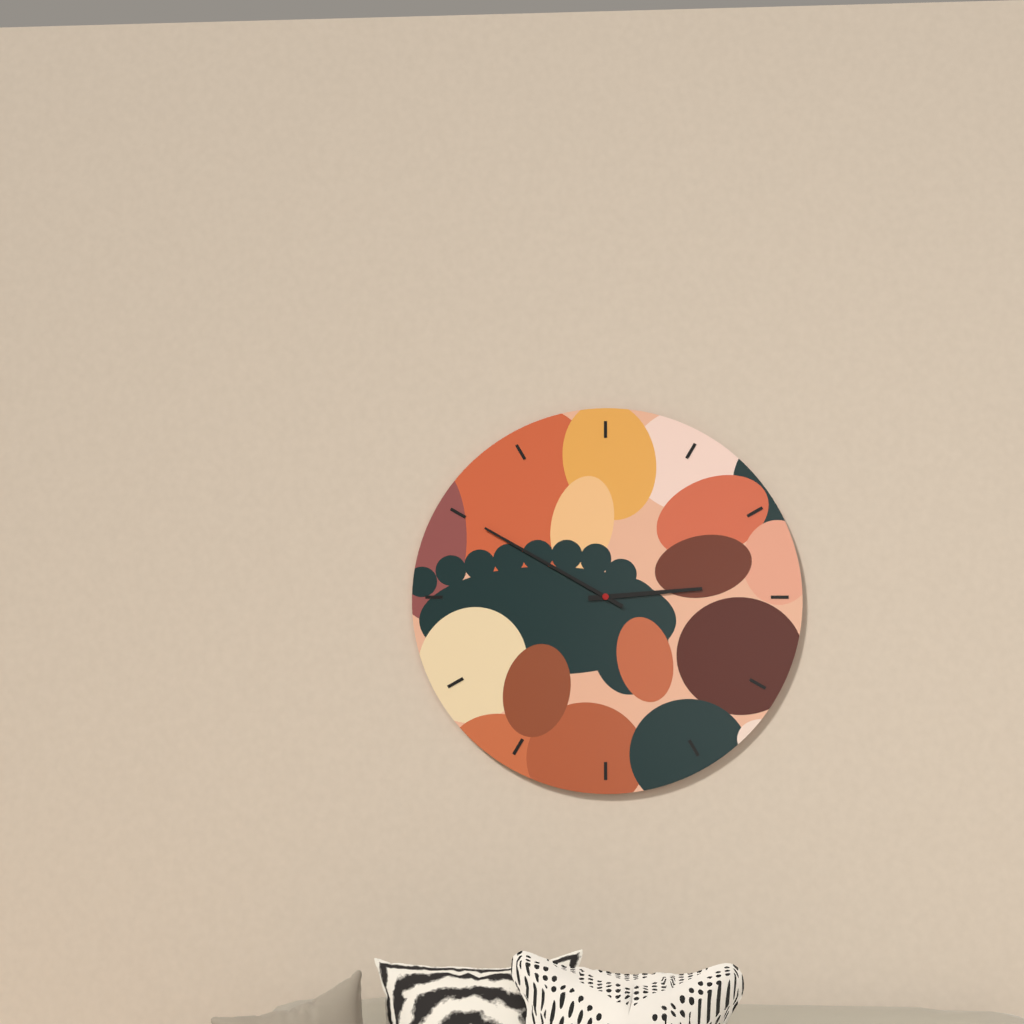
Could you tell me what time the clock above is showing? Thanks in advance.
2:50
